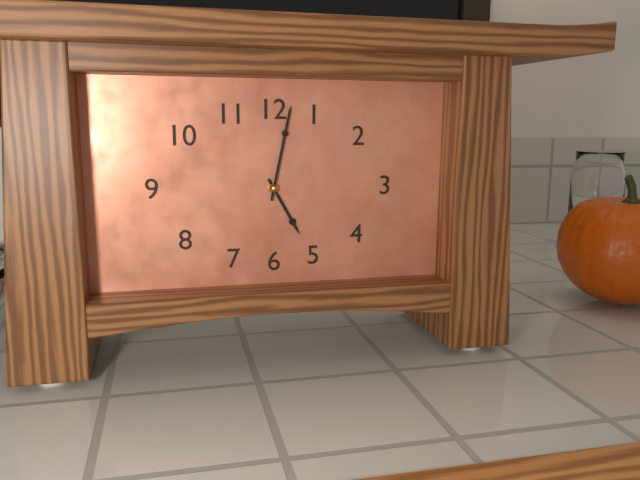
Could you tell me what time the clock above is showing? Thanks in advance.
5:02
